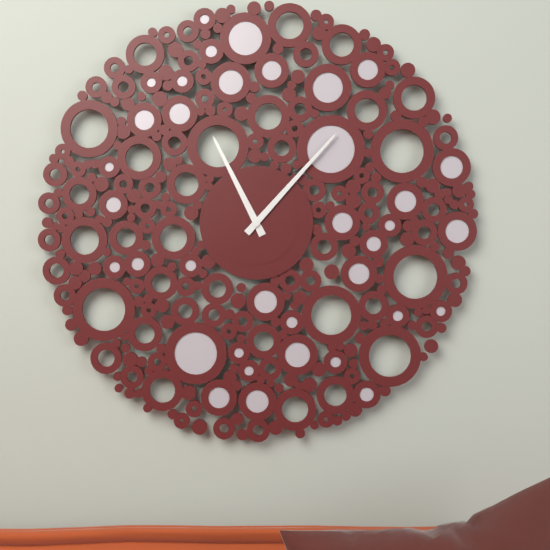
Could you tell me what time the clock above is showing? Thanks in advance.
11:07
